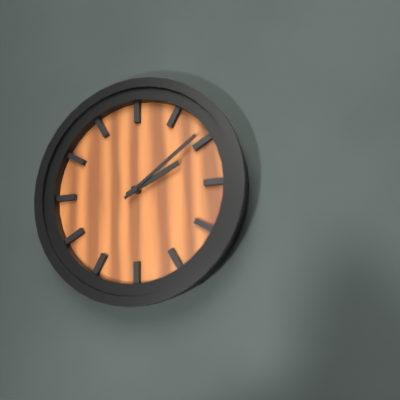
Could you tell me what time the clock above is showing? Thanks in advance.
2:09
